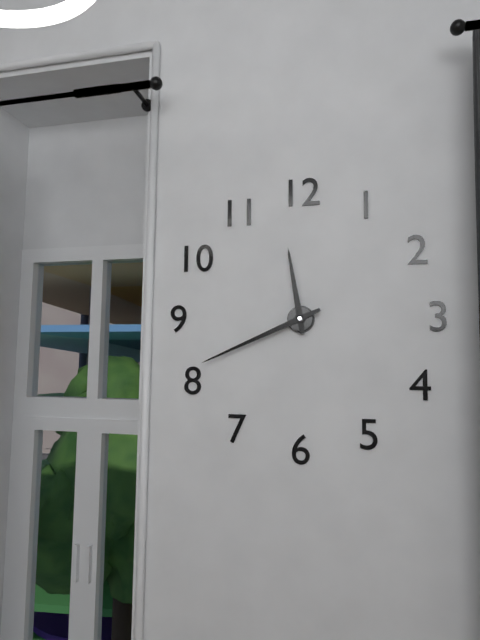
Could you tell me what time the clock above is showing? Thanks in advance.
11:41
